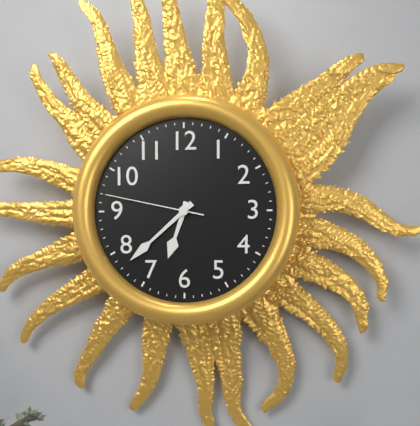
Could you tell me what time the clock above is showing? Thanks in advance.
6:38:47
